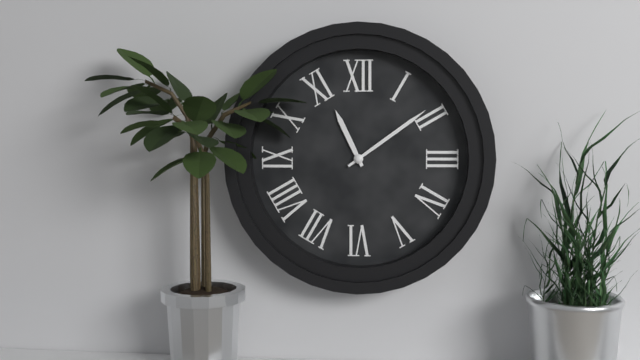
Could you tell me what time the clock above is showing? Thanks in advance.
11:09
